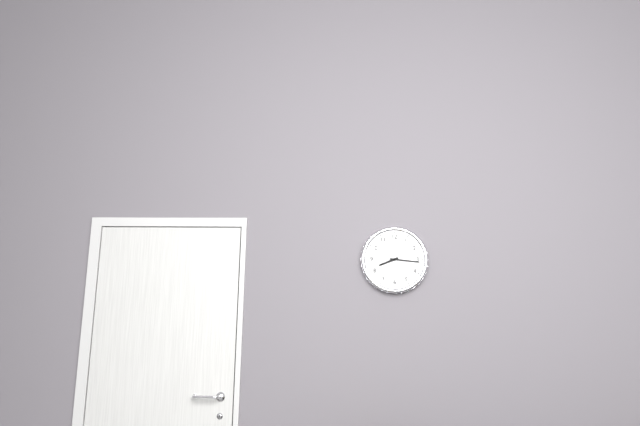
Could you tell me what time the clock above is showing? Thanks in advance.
8:16
